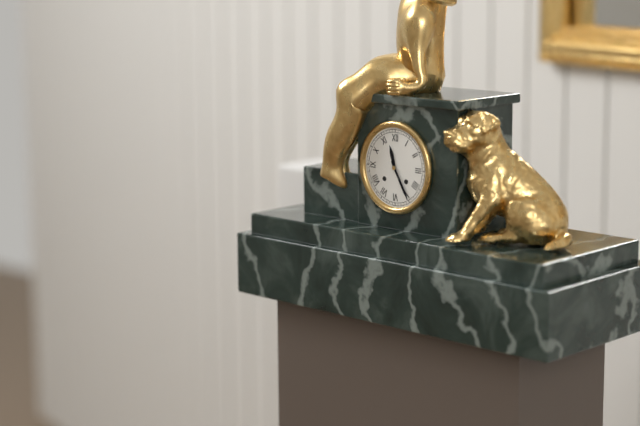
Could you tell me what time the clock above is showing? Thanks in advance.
11:25
